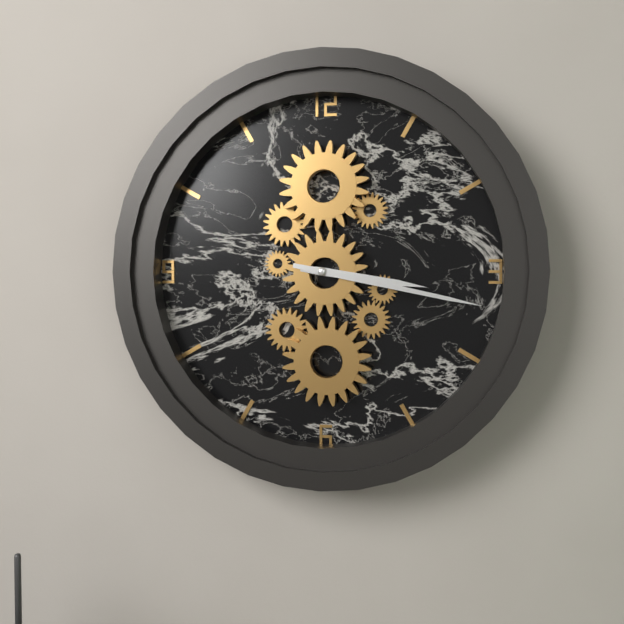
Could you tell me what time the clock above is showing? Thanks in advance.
3:17
